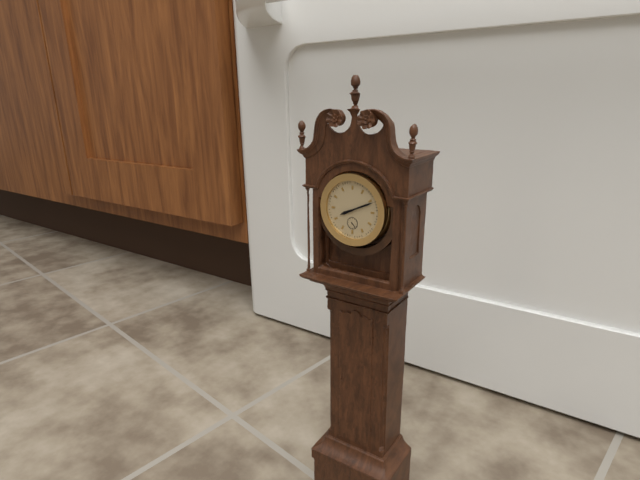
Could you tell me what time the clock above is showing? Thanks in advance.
8:11
